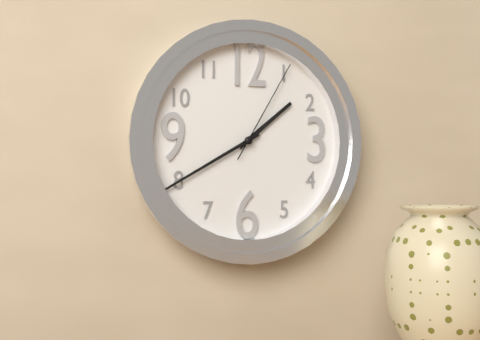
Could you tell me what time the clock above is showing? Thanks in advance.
1:40:05
